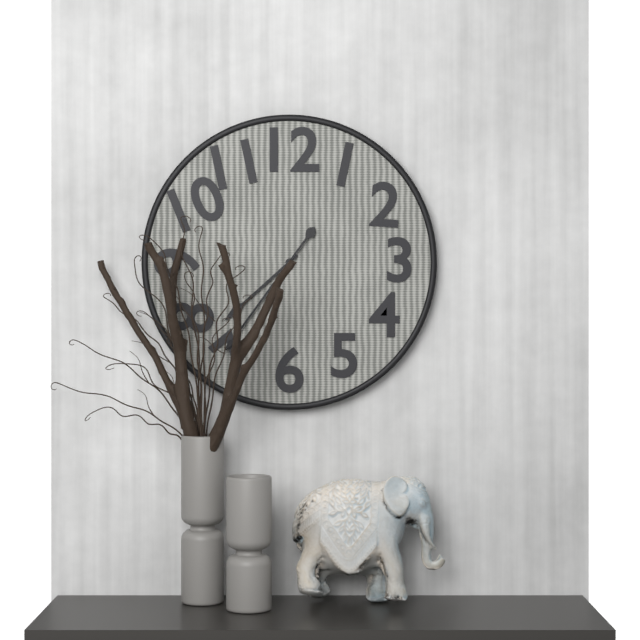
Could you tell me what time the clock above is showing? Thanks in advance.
7:36
